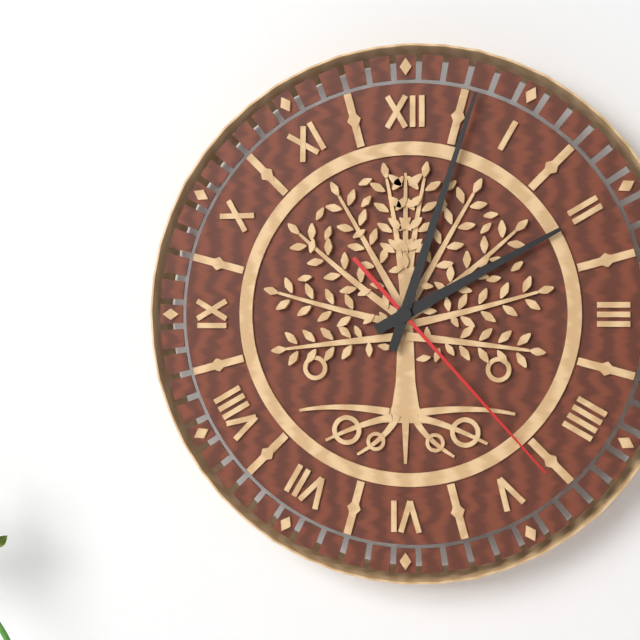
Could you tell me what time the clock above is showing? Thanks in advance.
2:03:23
